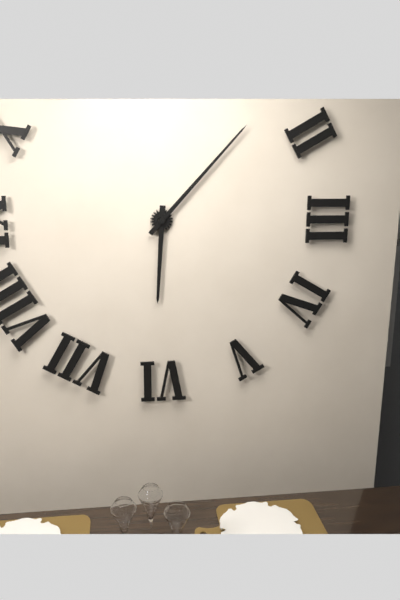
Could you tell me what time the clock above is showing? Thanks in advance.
6:07
